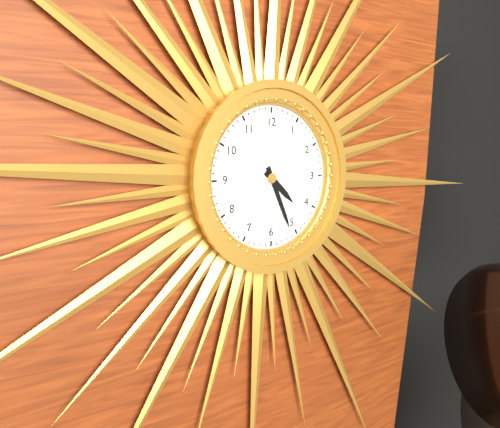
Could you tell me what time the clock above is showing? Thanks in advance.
4:26
